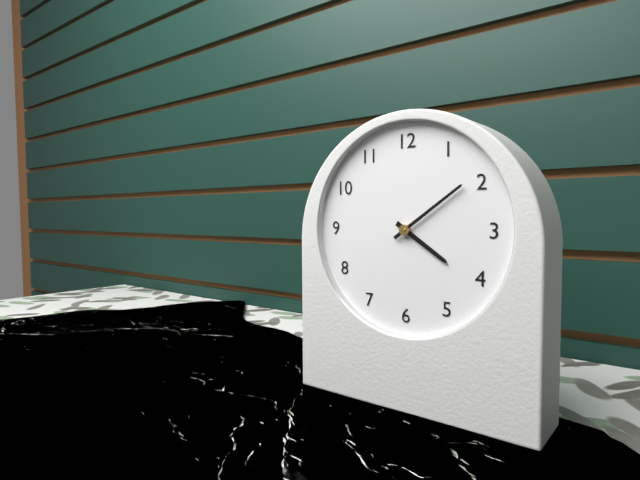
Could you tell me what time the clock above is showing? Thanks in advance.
4:09
